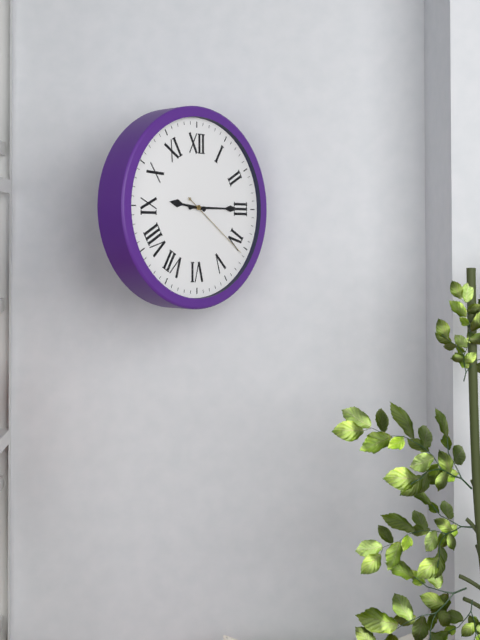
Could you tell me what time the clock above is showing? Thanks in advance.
9:15:21
